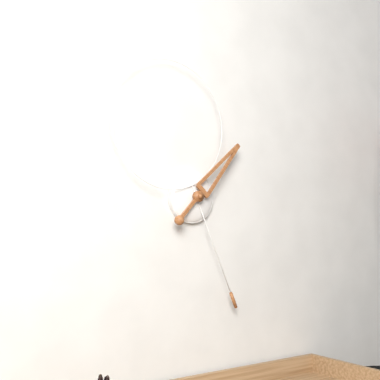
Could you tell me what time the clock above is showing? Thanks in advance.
1:26
